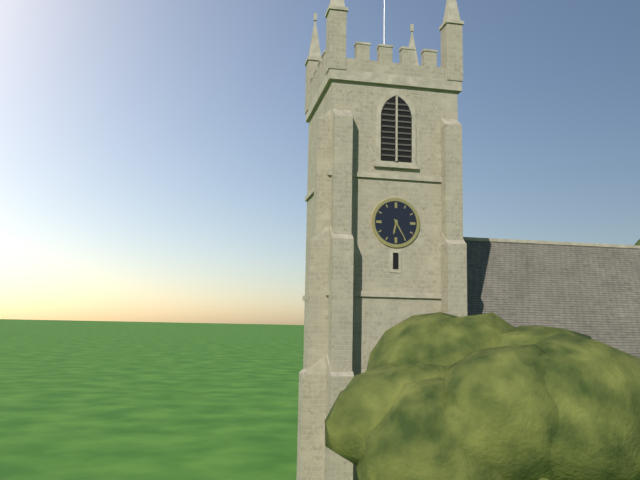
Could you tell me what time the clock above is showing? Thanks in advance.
6:25
